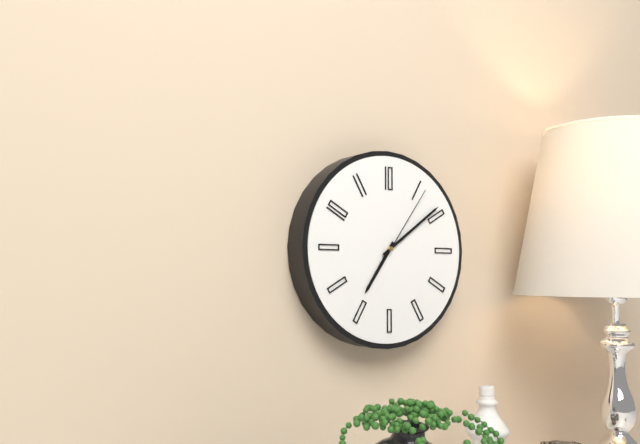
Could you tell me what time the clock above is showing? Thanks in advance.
7:09:06
